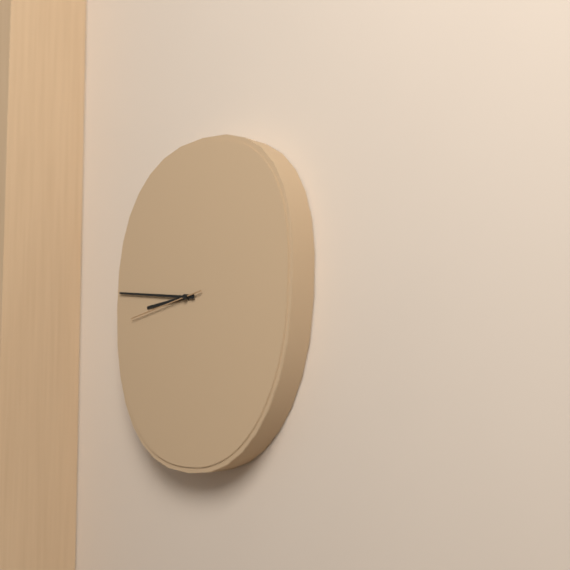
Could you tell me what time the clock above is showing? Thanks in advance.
8:46:43
